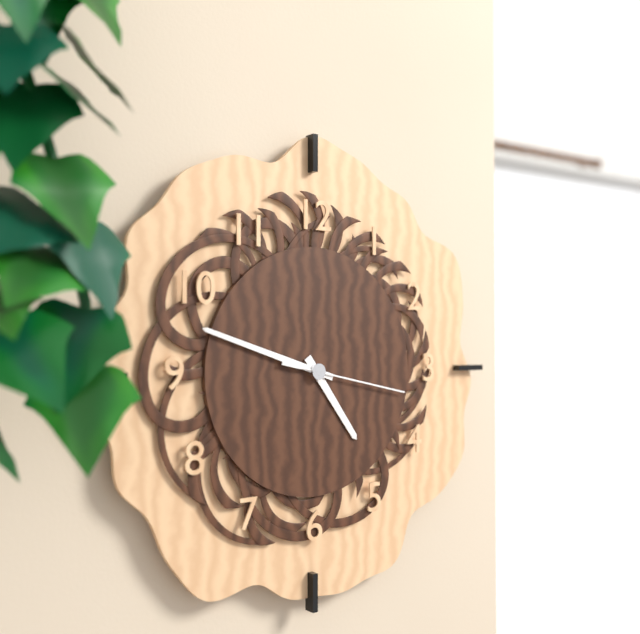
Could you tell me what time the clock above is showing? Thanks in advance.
4:48:17
